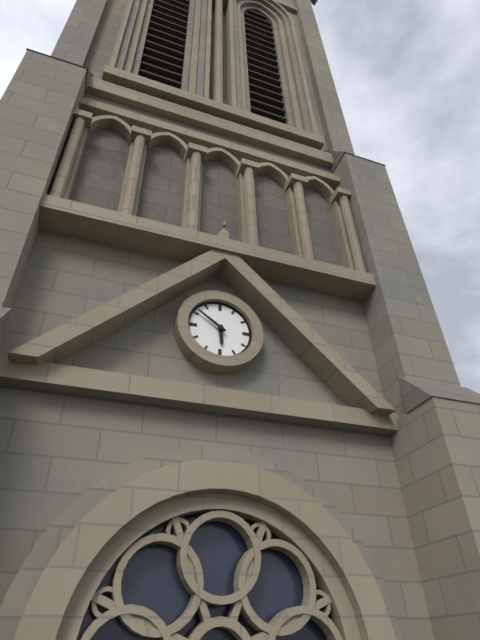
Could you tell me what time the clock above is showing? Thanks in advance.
5:51
